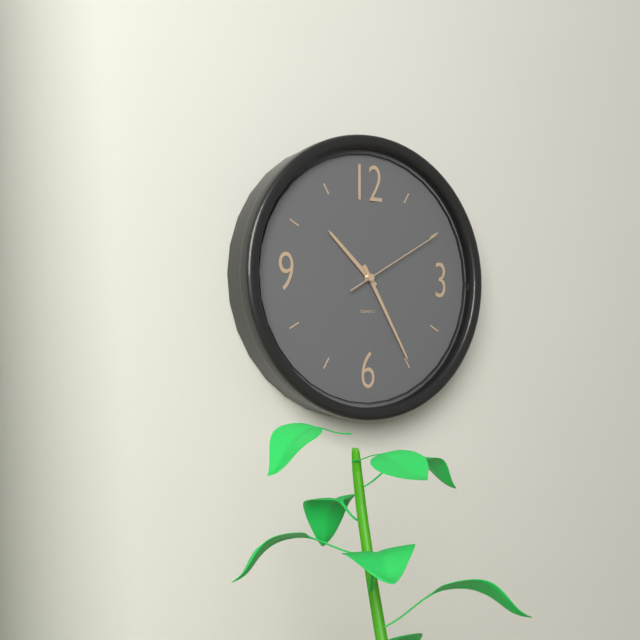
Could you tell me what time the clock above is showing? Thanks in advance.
10:25:10
